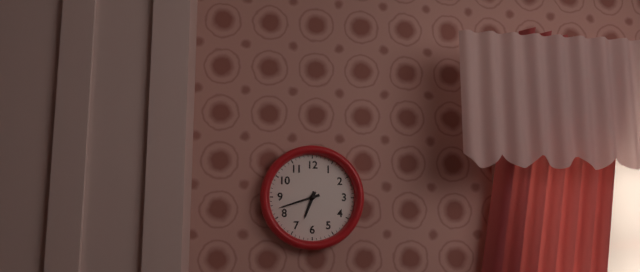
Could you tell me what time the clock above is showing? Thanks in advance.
6:42
